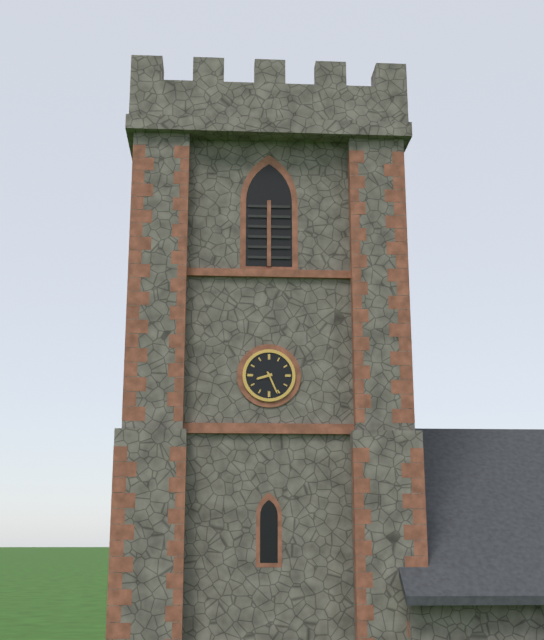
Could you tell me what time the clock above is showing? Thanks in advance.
8:26
